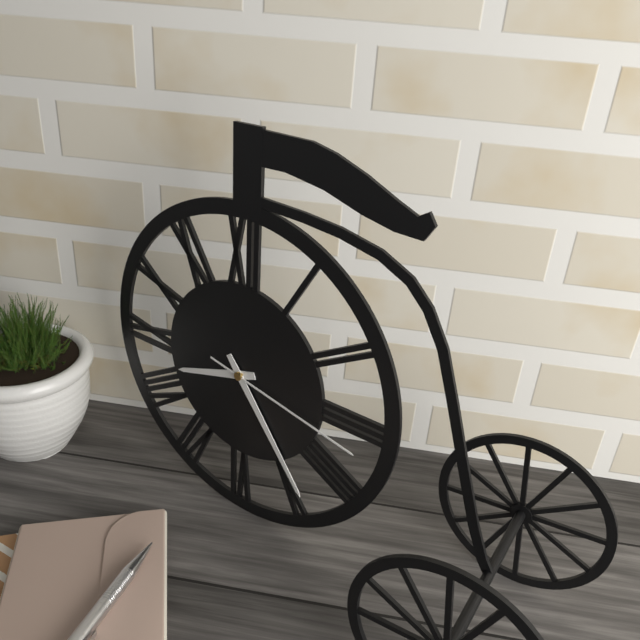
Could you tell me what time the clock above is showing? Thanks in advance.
8:24:17
